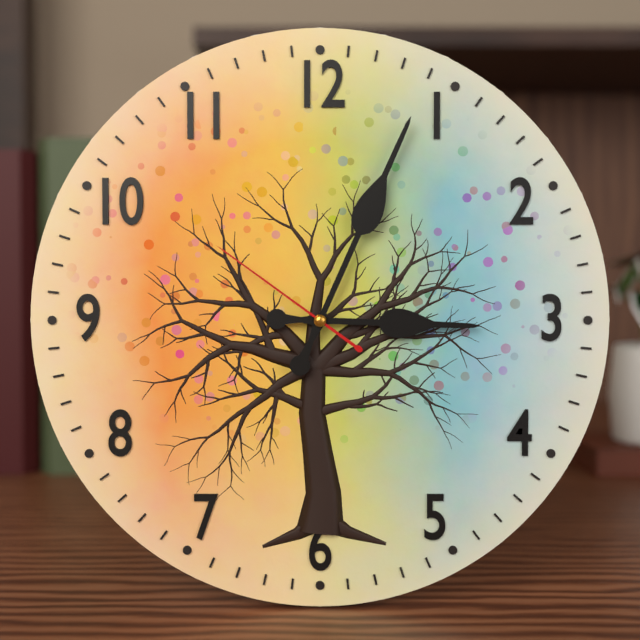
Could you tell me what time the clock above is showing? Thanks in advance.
3:04:51
